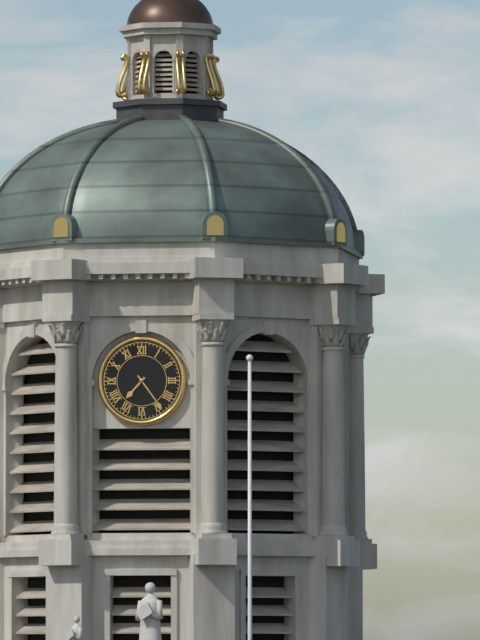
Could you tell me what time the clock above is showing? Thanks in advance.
7:24
